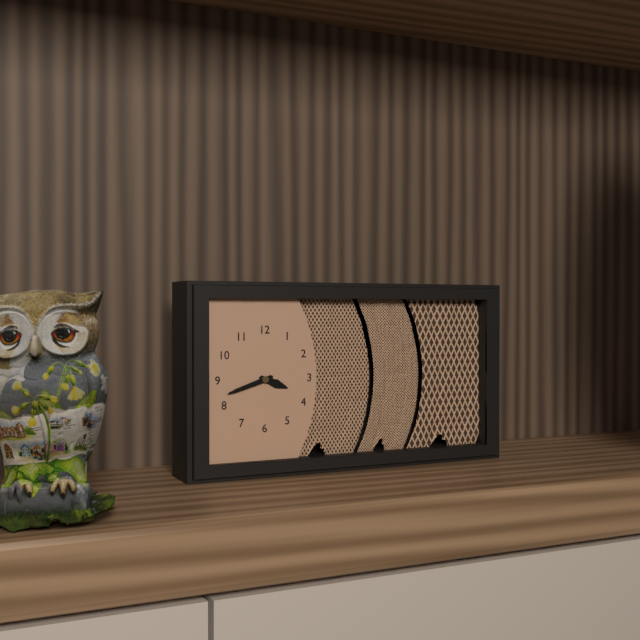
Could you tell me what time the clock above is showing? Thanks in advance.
3:42
